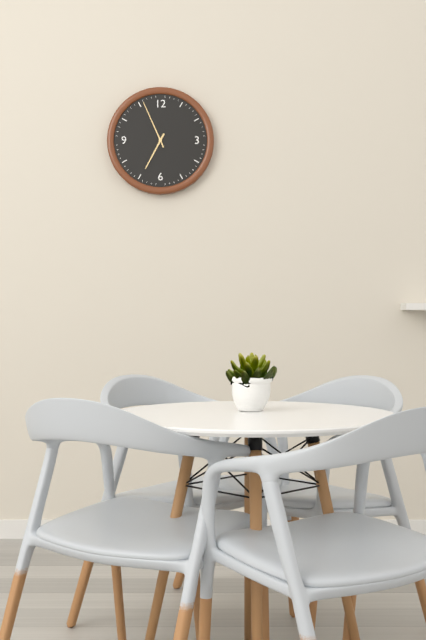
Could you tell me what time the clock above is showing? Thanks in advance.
6:56
